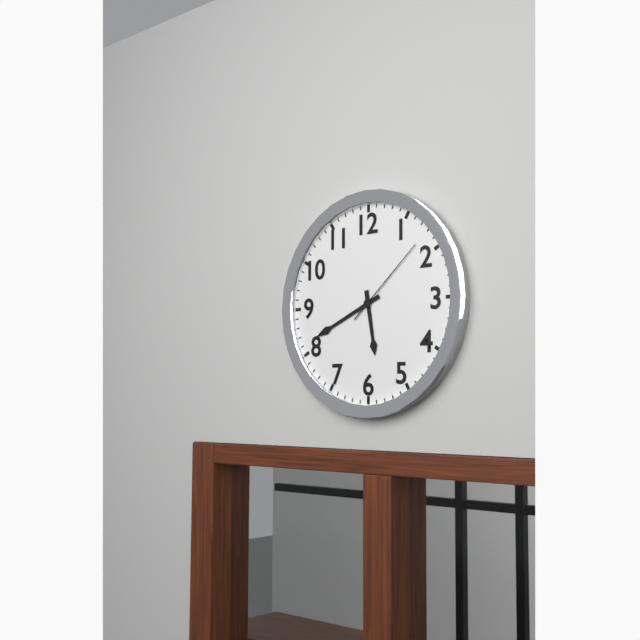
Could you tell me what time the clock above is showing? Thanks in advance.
5:41:08
